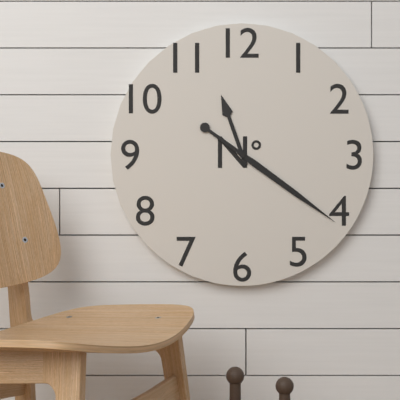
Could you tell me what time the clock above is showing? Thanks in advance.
11:21
